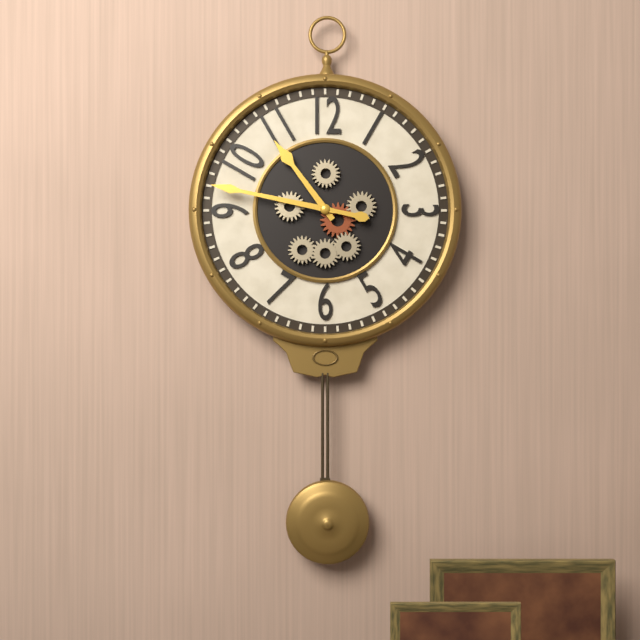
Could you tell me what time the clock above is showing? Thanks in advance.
10:47
